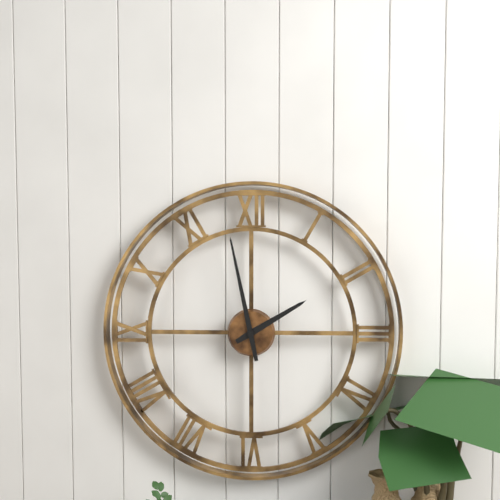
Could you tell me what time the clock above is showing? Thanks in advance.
1:58
